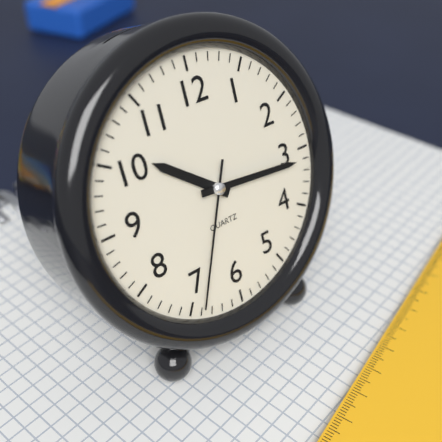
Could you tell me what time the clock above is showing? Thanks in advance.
10:16:34
